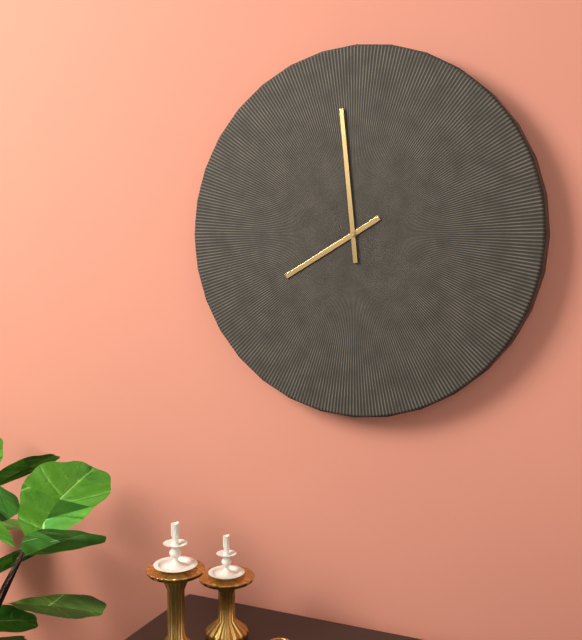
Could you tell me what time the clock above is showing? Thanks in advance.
7:59
